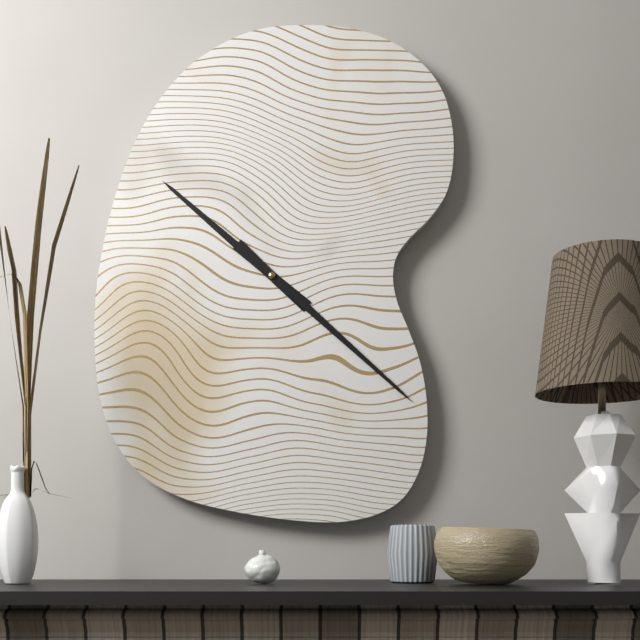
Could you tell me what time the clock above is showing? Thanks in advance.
10:22
